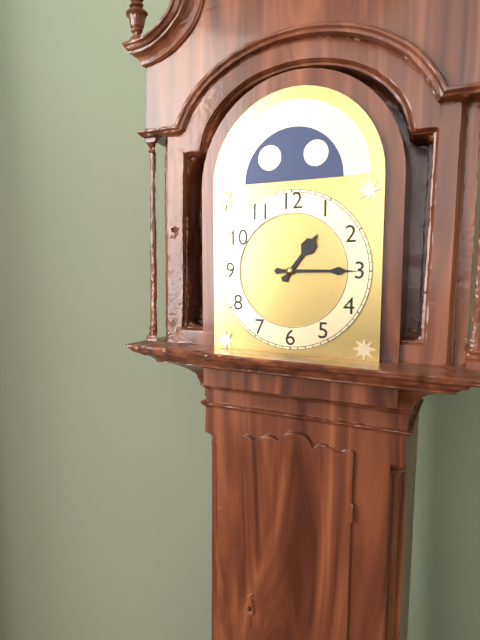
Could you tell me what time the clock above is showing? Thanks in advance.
1:15
